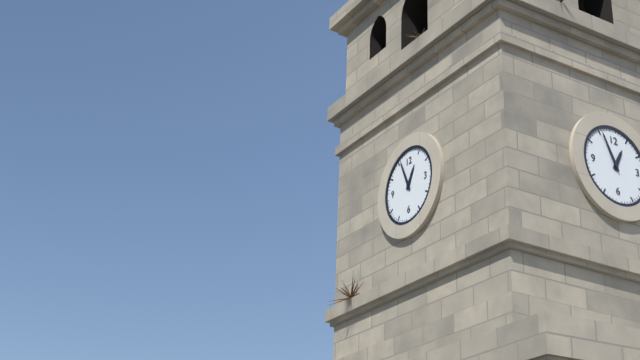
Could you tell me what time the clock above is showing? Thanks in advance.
12:56
